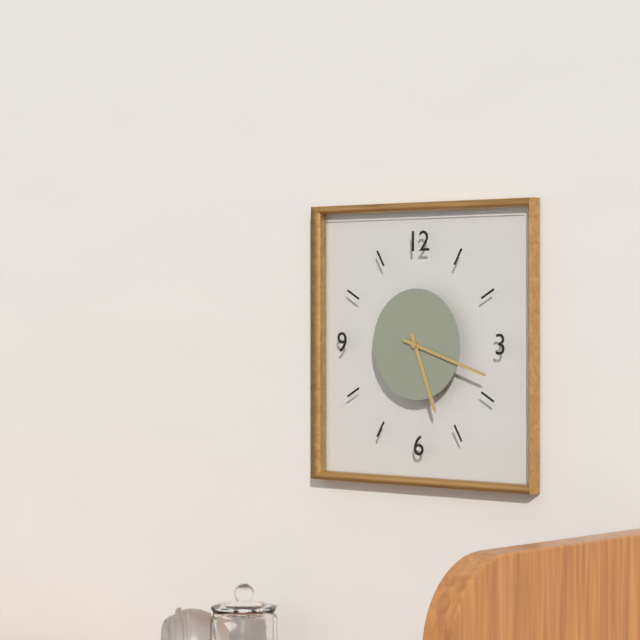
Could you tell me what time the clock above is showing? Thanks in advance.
5:18
